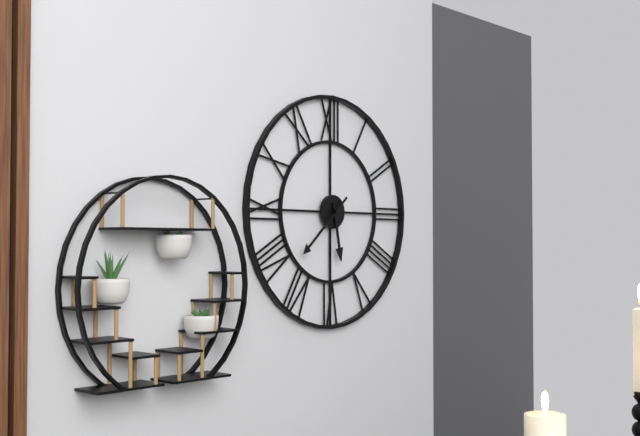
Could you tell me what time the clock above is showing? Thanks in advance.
5:38
